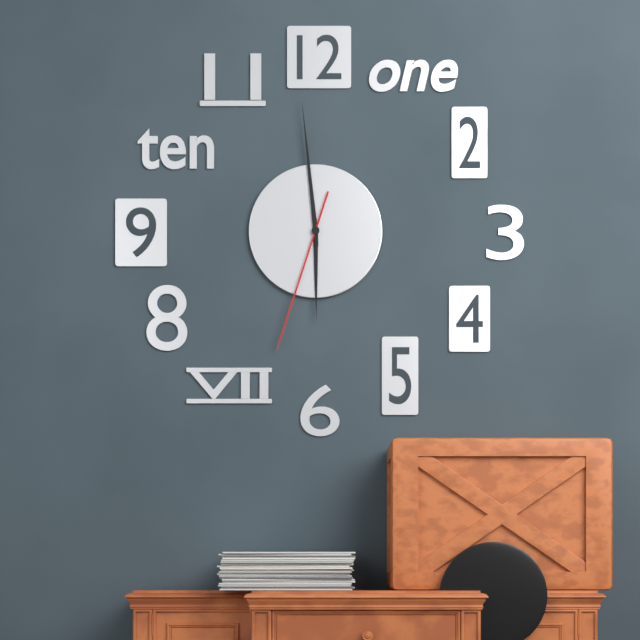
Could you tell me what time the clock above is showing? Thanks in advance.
5:59:33
